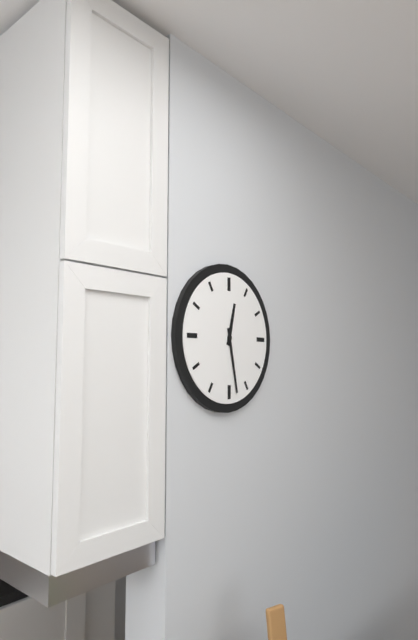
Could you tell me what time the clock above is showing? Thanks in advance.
12:28
